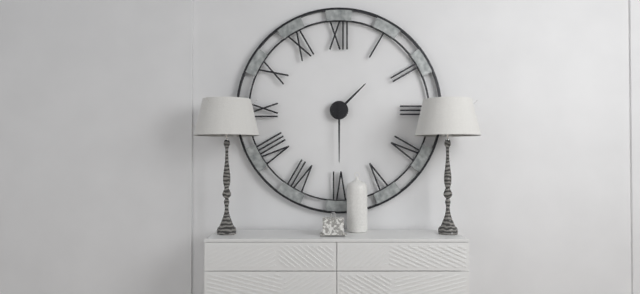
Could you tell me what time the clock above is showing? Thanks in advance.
1:30
